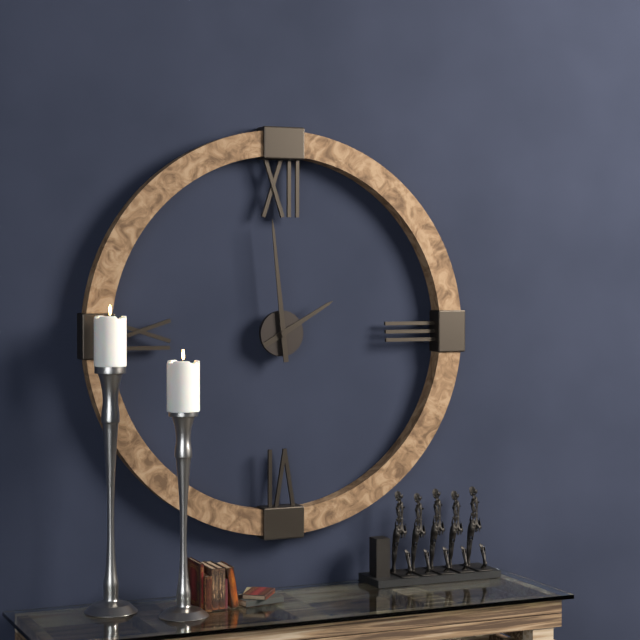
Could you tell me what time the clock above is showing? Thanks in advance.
1:59
